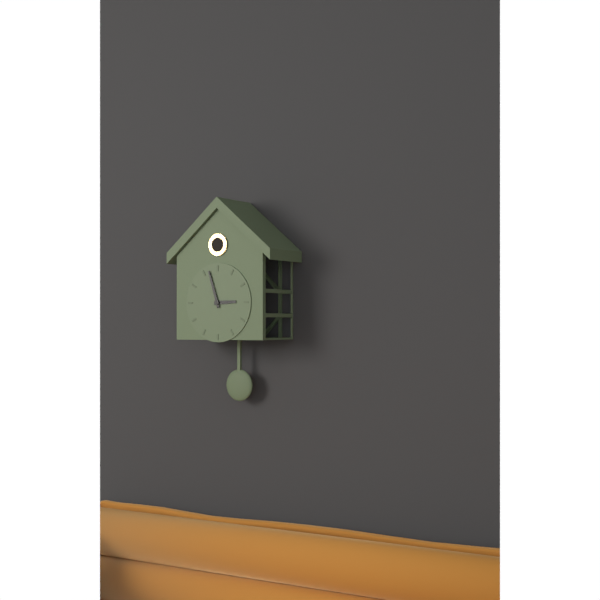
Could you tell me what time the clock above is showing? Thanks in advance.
2:57
